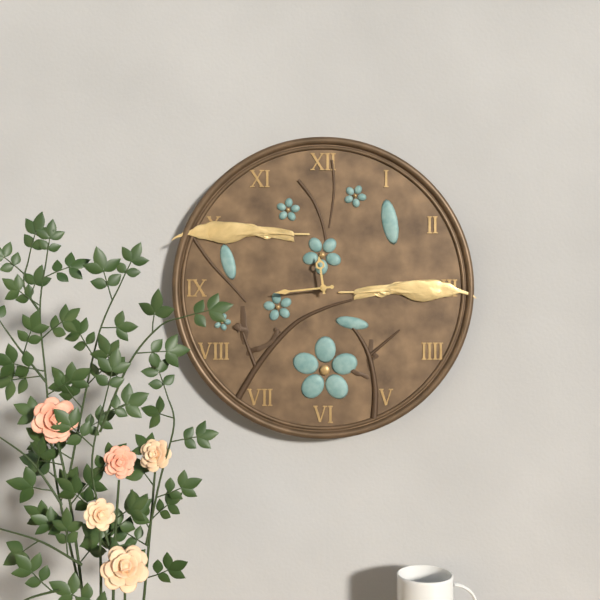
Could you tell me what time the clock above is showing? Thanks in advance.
11:44
